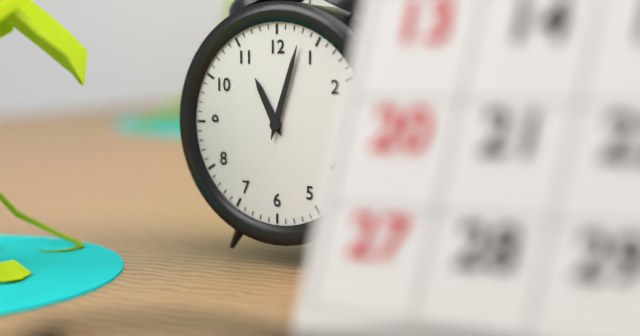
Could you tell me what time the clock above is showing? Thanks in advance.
11:03
